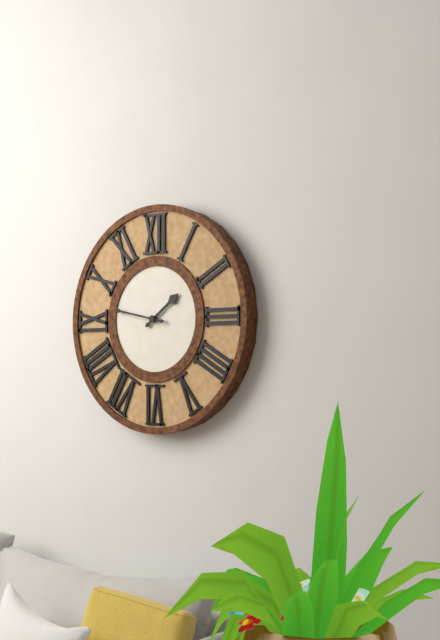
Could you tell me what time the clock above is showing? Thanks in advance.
1:47
